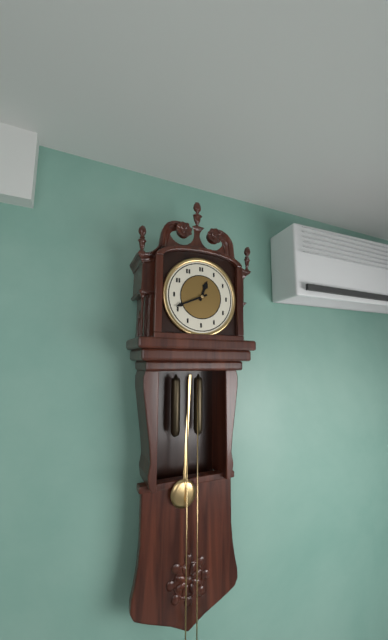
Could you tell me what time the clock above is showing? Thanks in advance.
12:41
